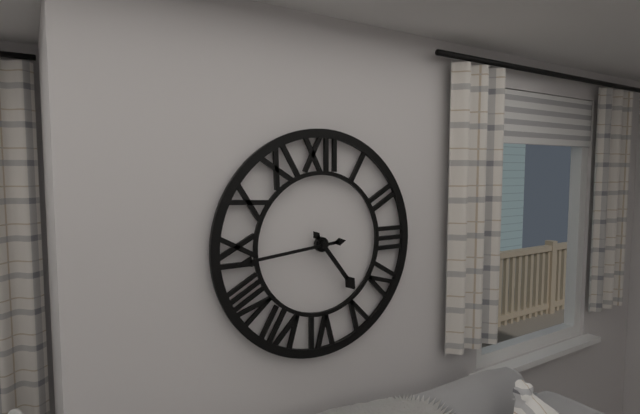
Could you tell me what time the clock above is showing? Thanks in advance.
4:44
